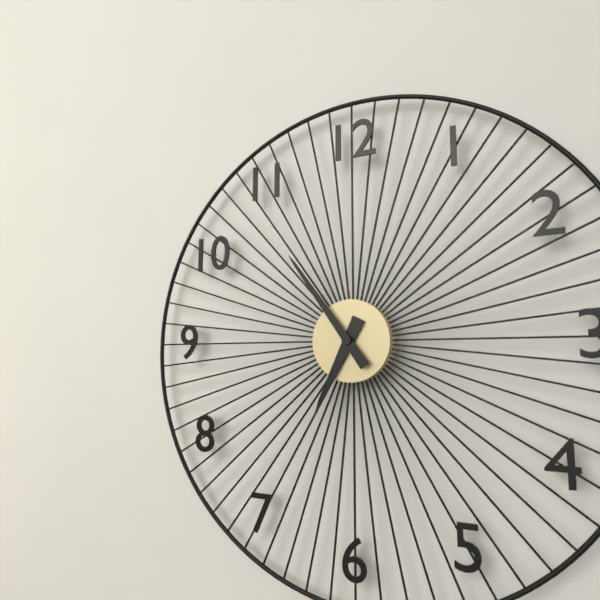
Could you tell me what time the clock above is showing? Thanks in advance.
6:54
